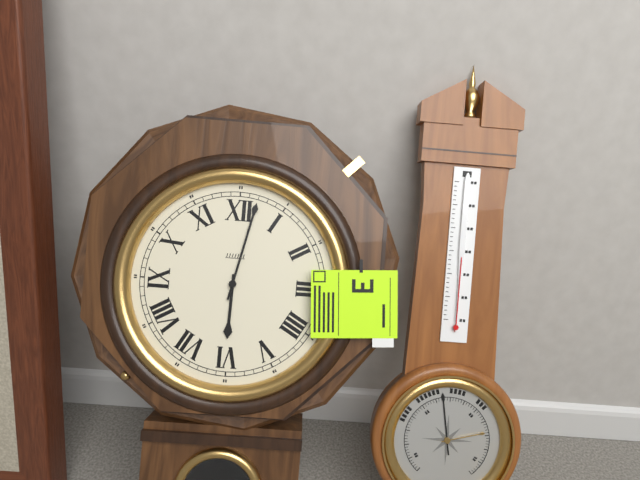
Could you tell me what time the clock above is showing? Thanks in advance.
6:02
